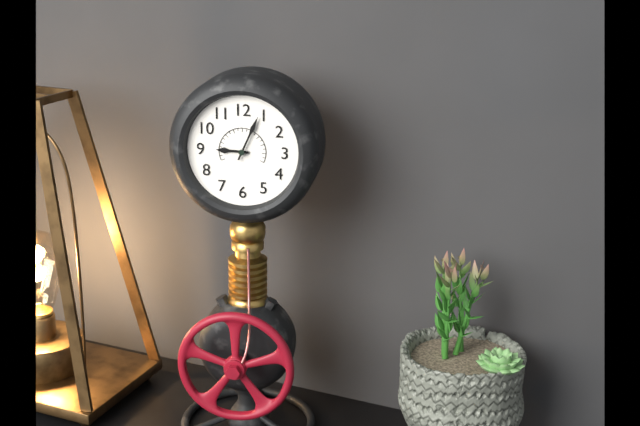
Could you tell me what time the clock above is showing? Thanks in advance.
9:04
